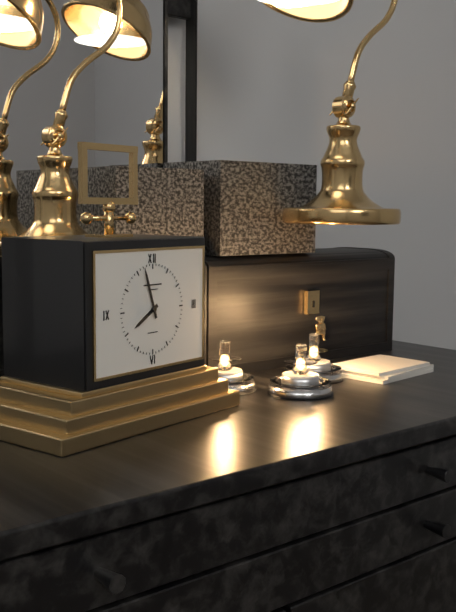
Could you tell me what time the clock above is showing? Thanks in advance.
7:57
